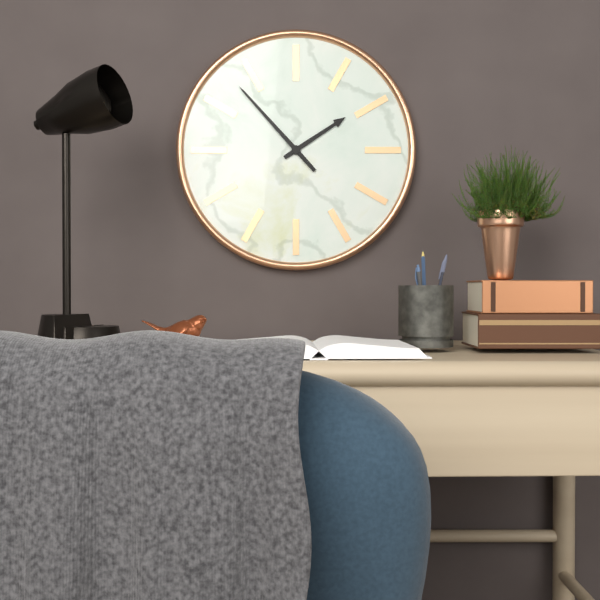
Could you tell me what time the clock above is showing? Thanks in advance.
1:53
